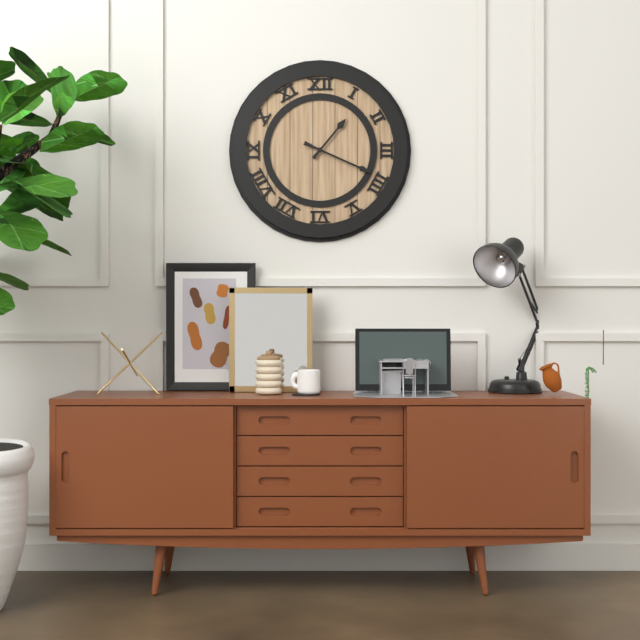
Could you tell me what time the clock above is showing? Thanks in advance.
1:19
